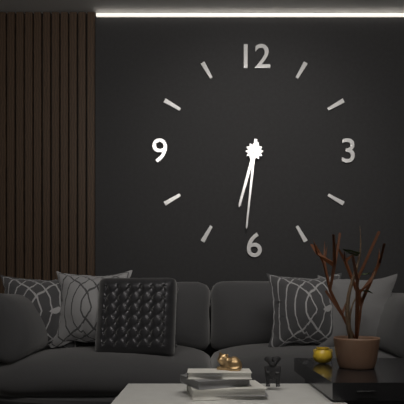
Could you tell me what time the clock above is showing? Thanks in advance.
6:31
